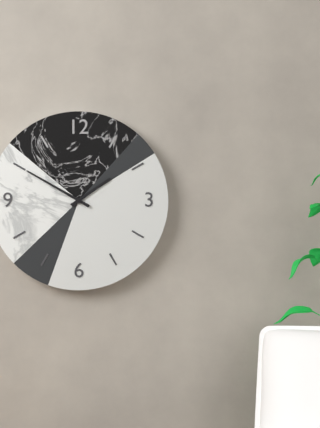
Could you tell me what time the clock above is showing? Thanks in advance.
1:50
